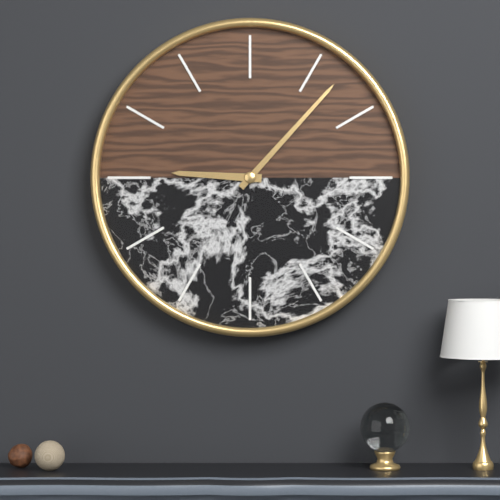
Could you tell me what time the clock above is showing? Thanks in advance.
9:07
